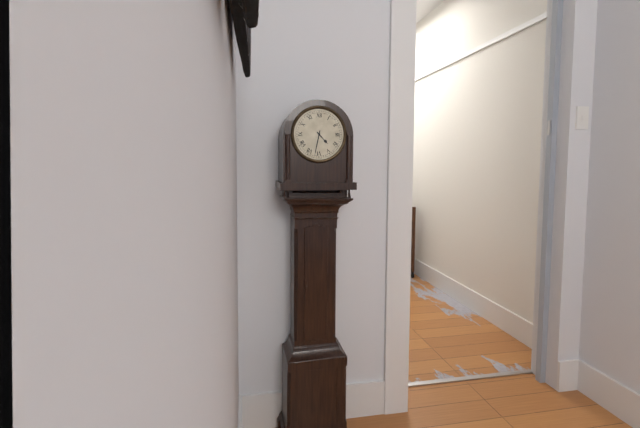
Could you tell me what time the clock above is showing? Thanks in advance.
4:32
